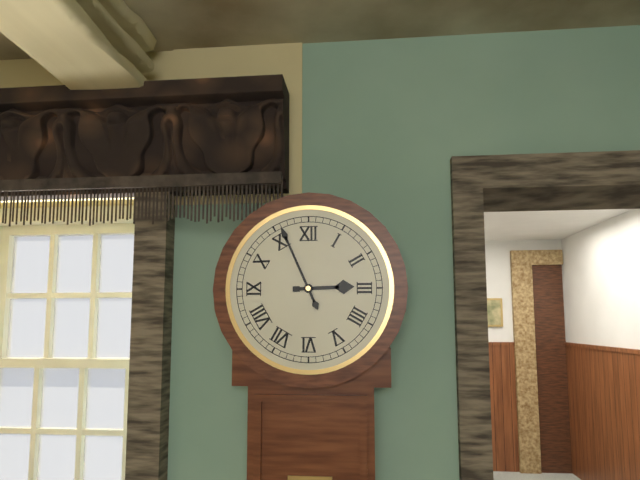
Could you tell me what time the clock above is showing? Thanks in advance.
2:56
